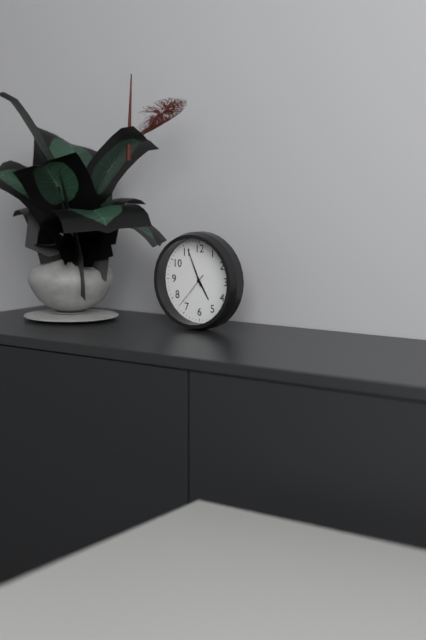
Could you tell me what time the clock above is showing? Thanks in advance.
4:56
